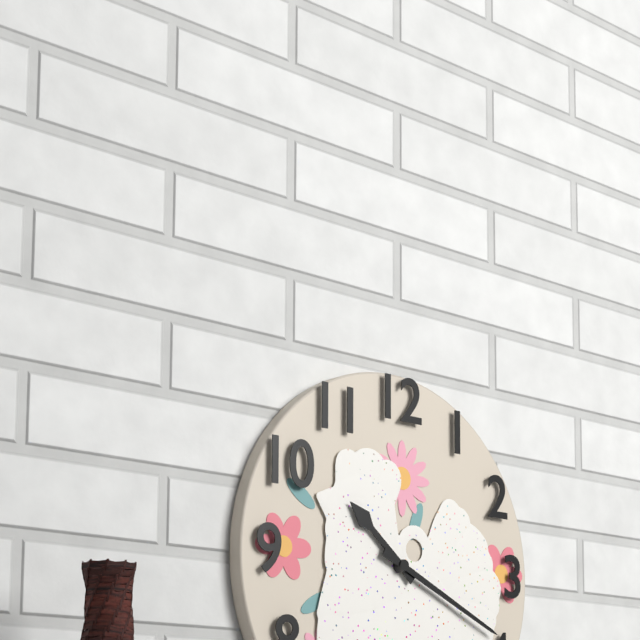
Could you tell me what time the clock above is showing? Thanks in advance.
10:19
